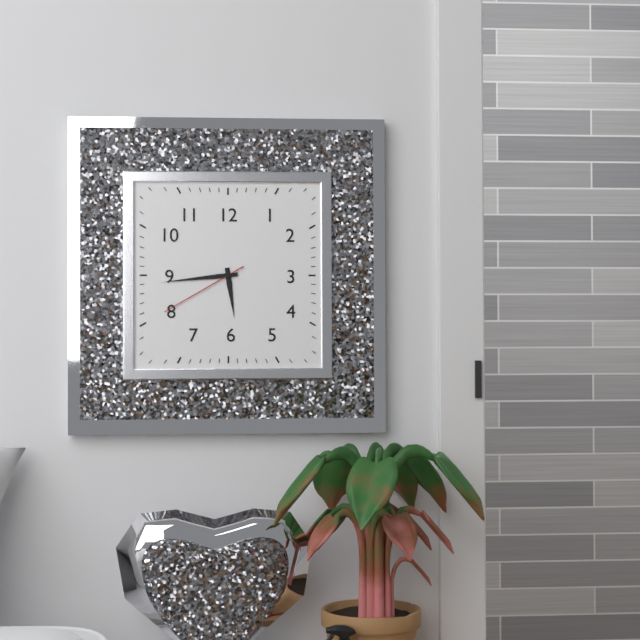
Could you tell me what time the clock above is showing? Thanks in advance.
5:44:40
